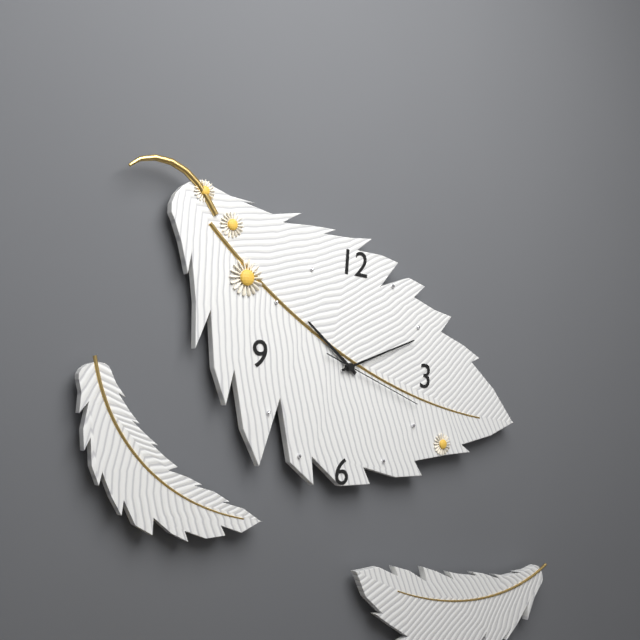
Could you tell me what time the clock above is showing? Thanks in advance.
10:11:18
